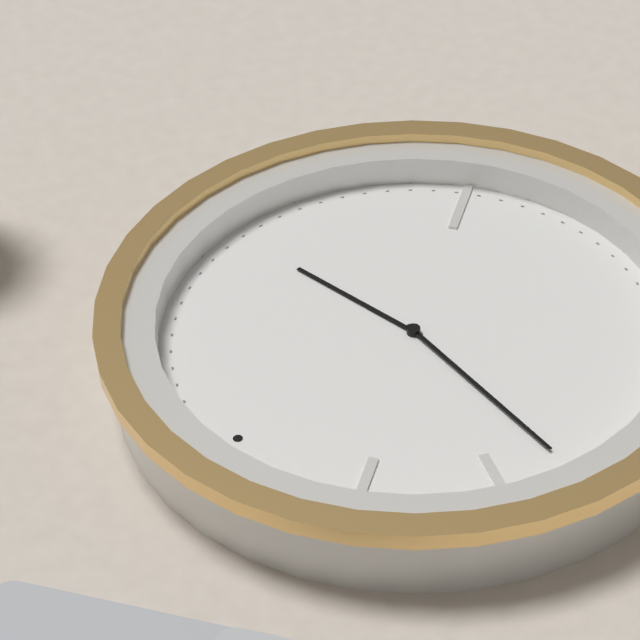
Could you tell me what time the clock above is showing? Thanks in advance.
2:46
